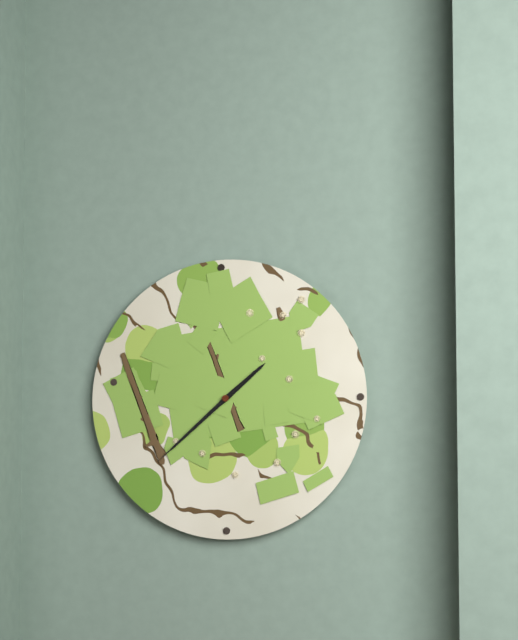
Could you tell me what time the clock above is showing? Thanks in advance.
1:38:38
